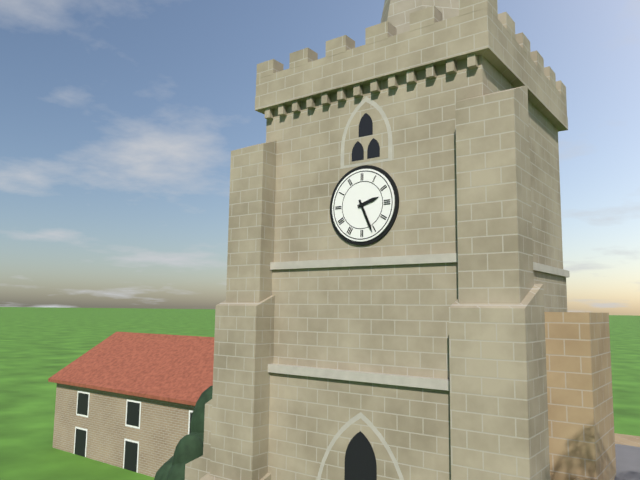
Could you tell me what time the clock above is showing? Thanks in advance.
2:26
